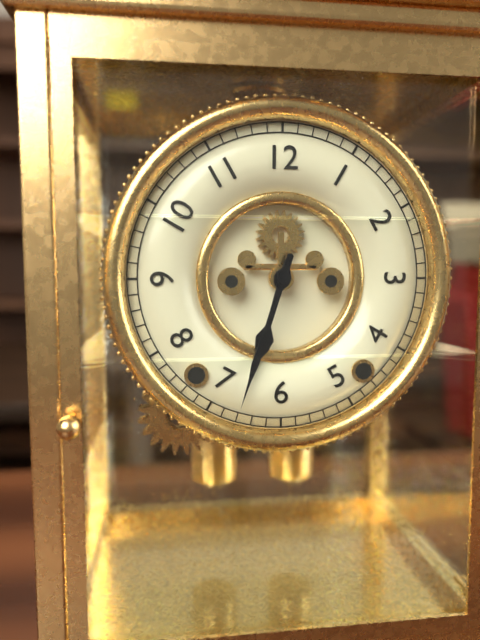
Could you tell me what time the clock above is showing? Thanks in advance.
6:33
